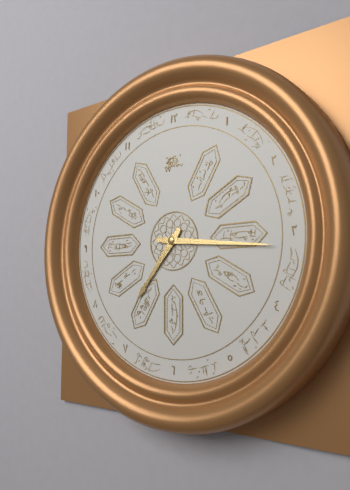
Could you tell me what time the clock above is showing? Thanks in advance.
7:16
